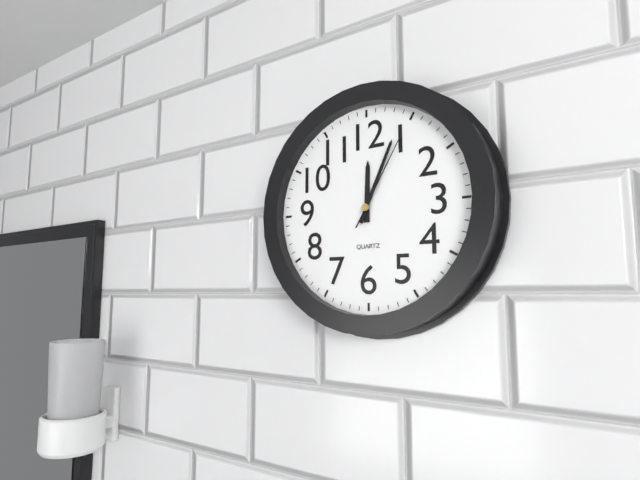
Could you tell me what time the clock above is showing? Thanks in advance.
12:04:05
